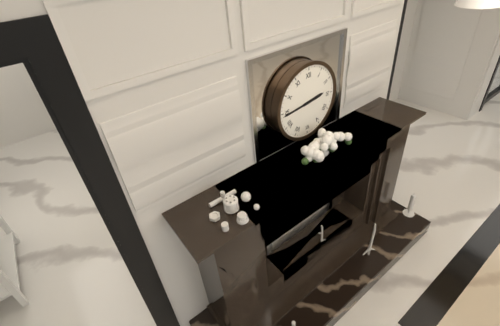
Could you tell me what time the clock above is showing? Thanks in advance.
2:44
